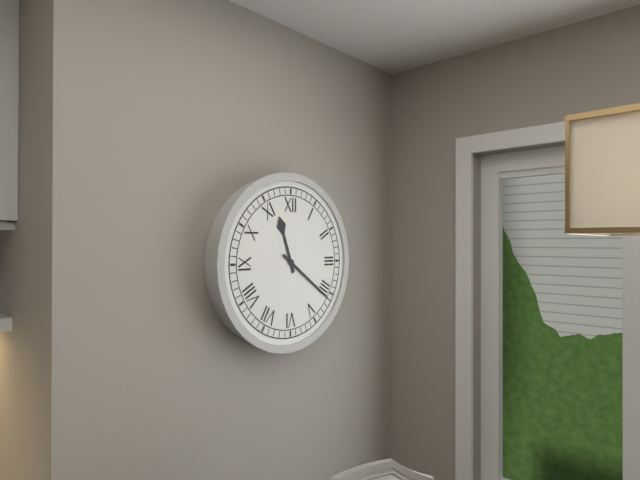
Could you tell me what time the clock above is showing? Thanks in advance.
11:21
